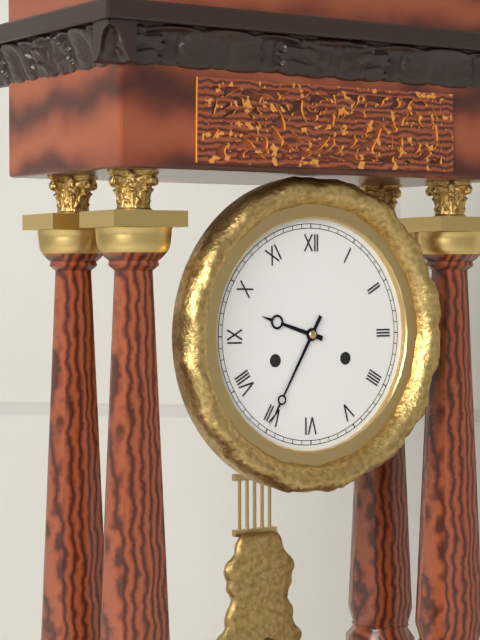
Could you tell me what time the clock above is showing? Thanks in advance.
9:35
